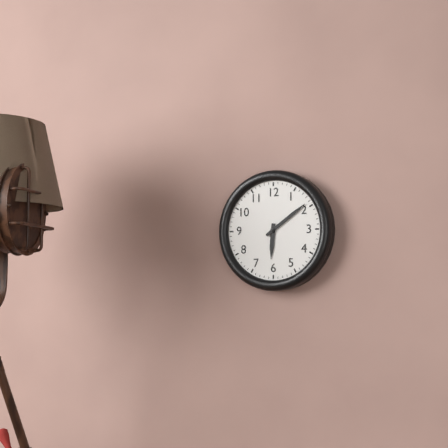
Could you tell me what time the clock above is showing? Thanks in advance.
6:09
